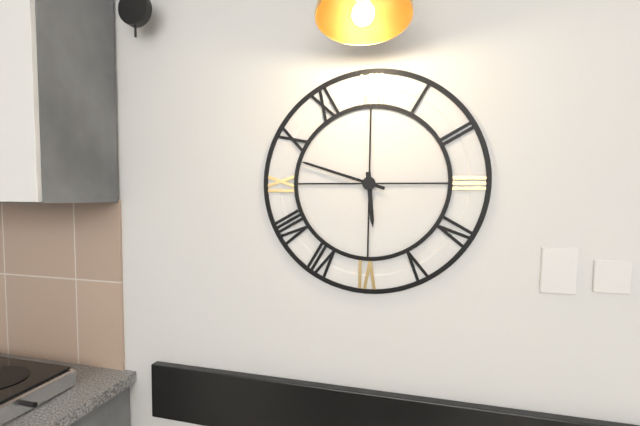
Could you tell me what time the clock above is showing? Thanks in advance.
5:48
